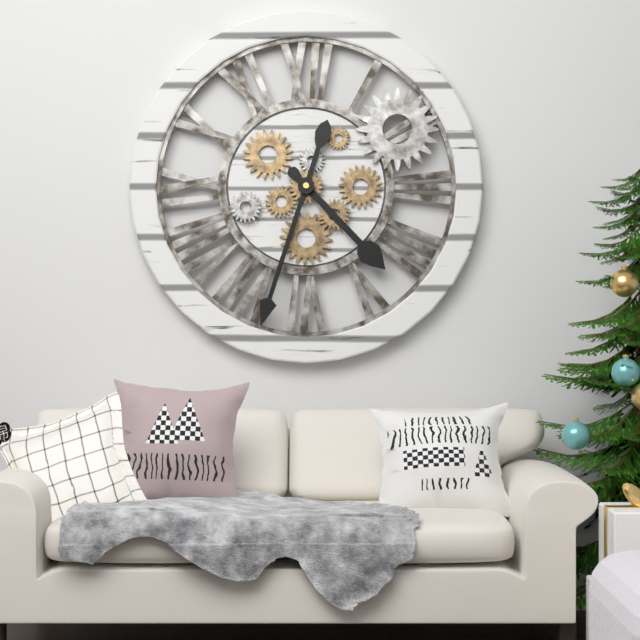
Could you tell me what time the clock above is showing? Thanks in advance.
4:33
